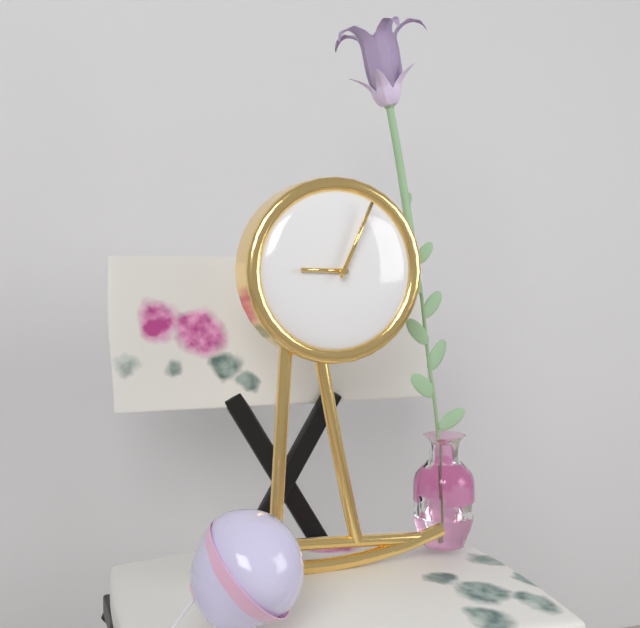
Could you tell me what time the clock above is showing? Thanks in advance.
9:04
